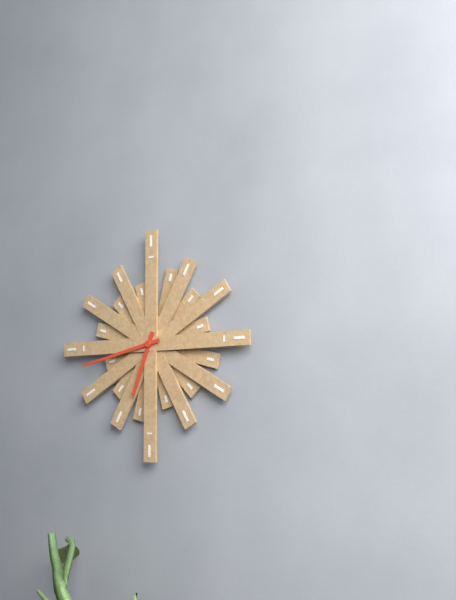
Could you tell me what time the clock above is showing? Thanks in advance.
6:43
